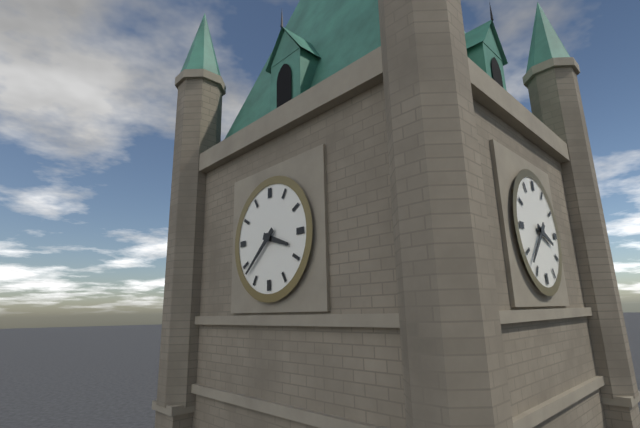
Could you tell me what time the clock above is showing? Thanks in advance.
3:38
